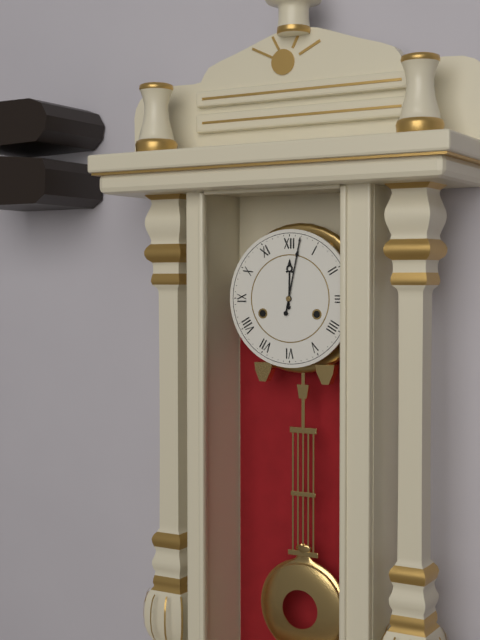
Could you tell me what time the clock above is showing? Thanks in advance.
12:02
